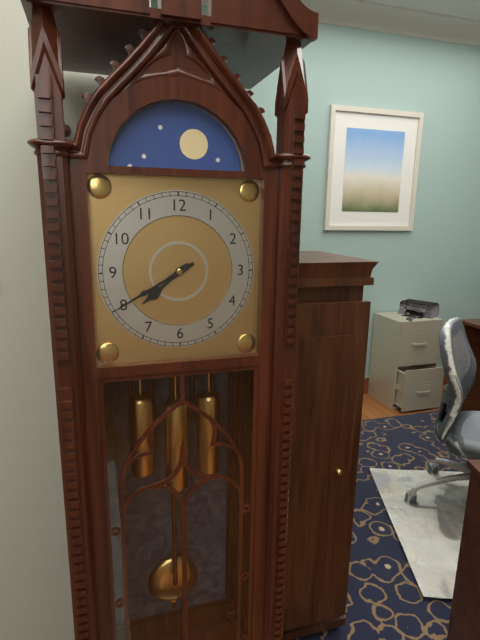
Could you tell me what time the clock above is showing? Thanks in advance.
7:40
